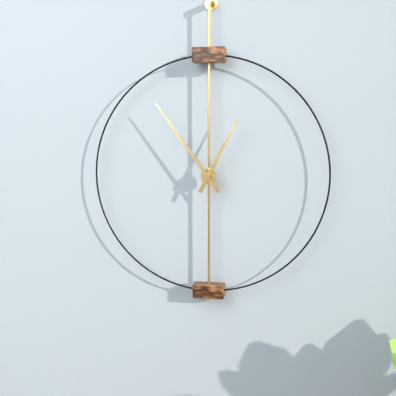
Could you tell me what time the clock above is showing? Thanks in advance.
12:54
